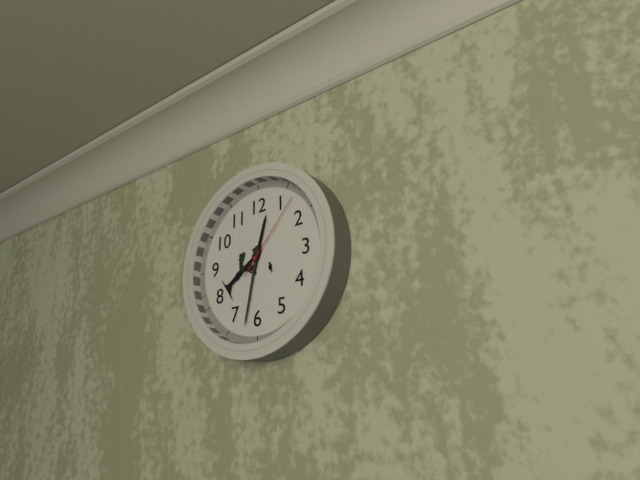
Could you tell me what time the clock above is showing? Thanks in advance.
12:32:07
